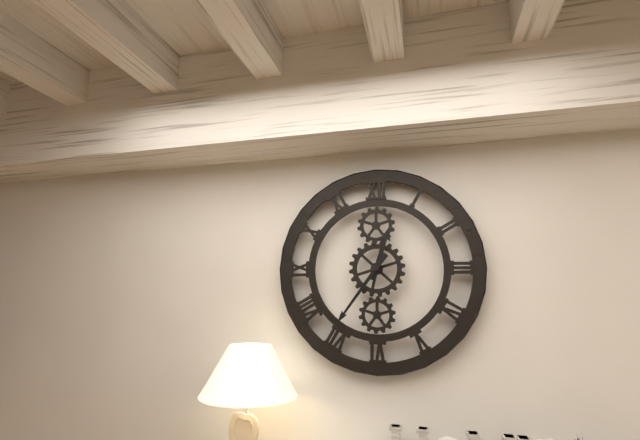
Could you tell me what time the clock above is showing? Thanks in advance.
12:36
